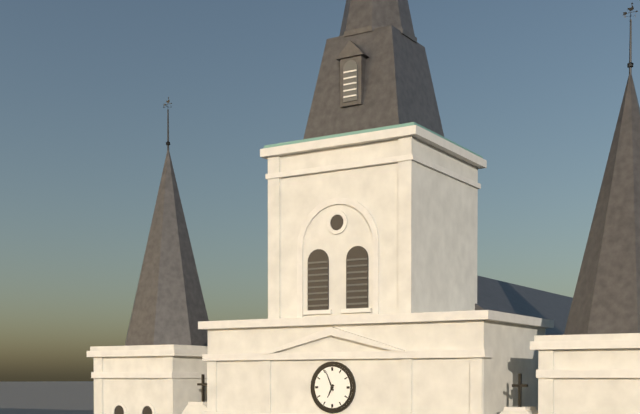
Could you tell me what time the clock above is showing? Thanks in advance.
6:56
